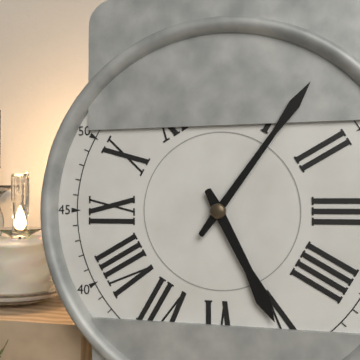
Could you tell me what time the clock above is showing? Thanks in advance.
5:06
